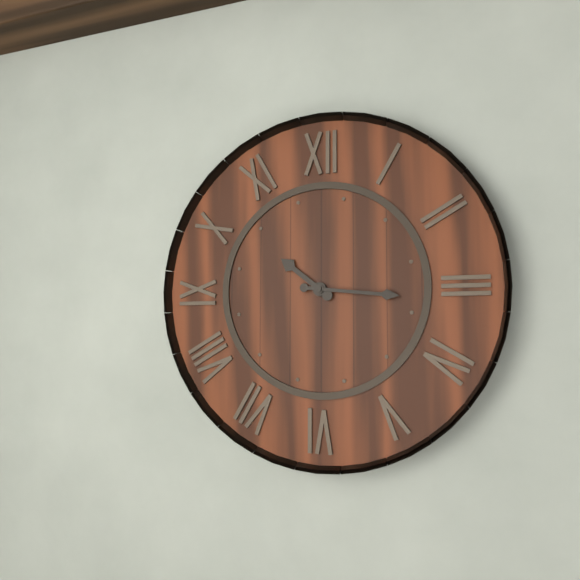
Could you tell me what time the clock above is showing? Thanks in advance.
10:16
